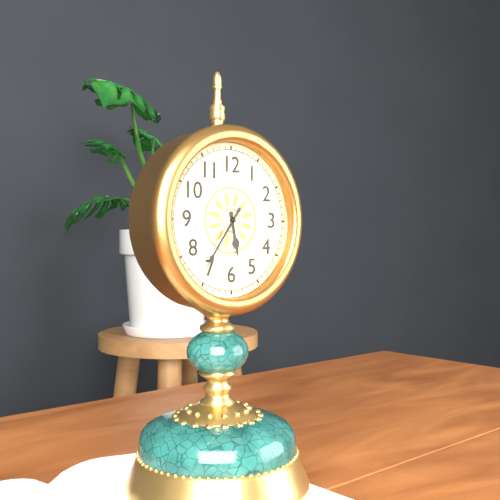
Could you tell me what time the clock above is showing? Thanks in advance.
5:36
